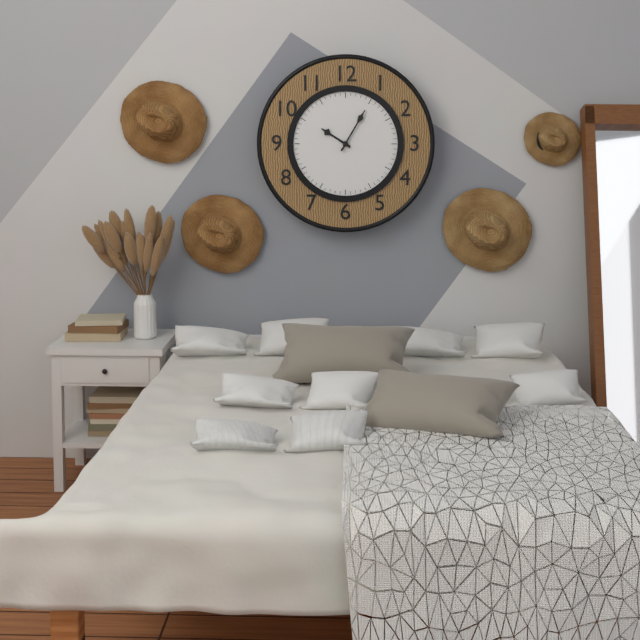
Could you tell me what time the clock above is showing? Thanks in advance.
10:05
